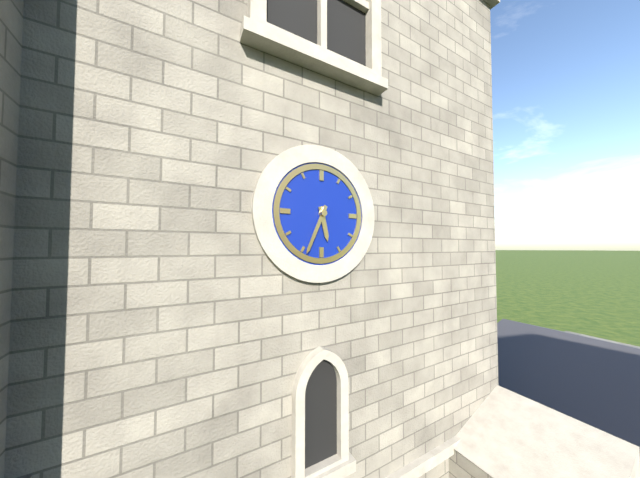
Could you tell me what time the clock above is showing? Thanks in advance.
5:34
